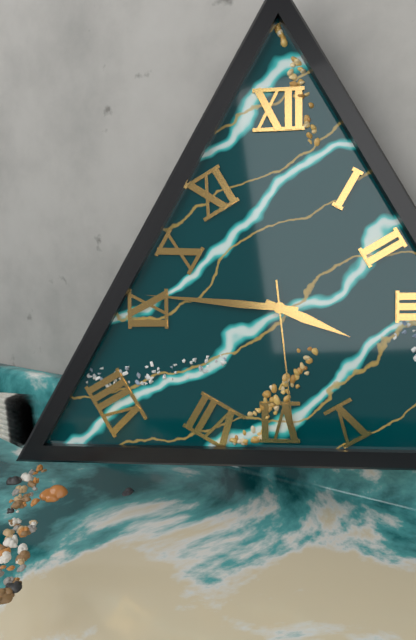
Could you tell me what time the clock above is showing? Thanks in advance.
3:46:29
